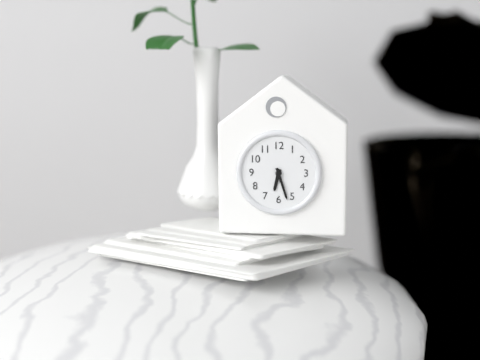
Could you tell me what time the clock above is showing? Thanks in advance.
6:27
